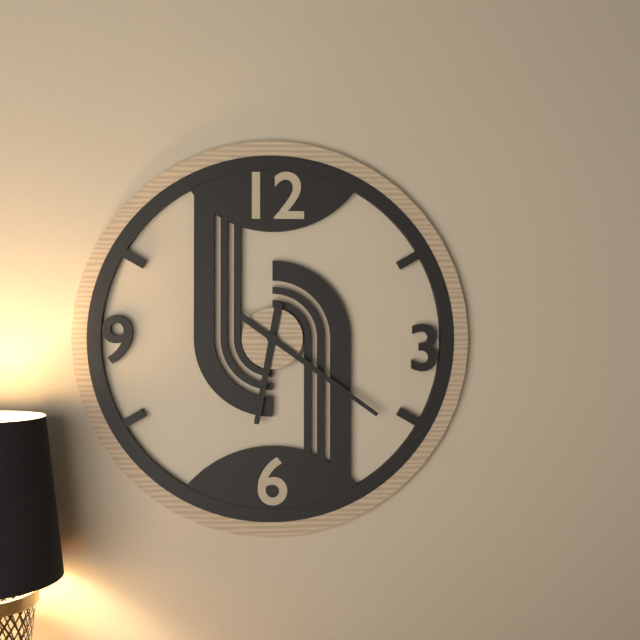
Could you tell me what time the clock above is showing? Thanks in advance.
6:21
